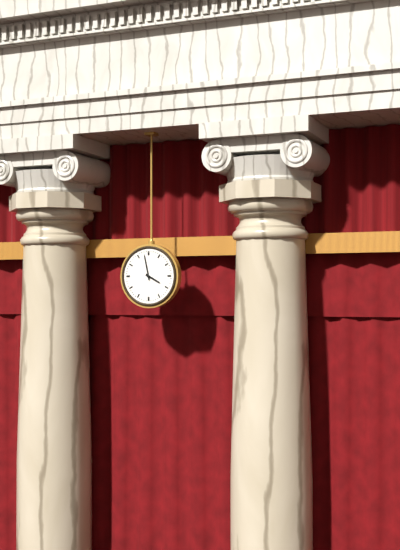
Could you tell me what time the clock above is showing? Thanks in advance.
3:58
